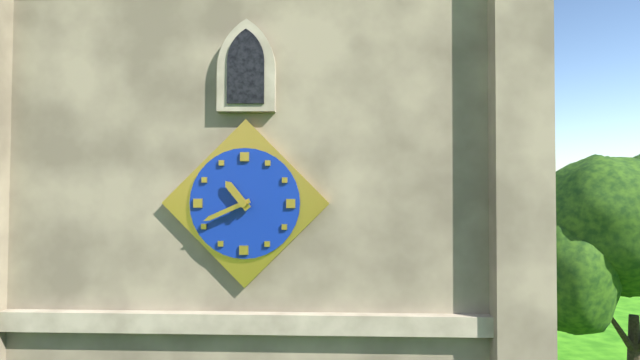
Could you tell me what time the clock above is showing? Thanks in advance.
10:41
